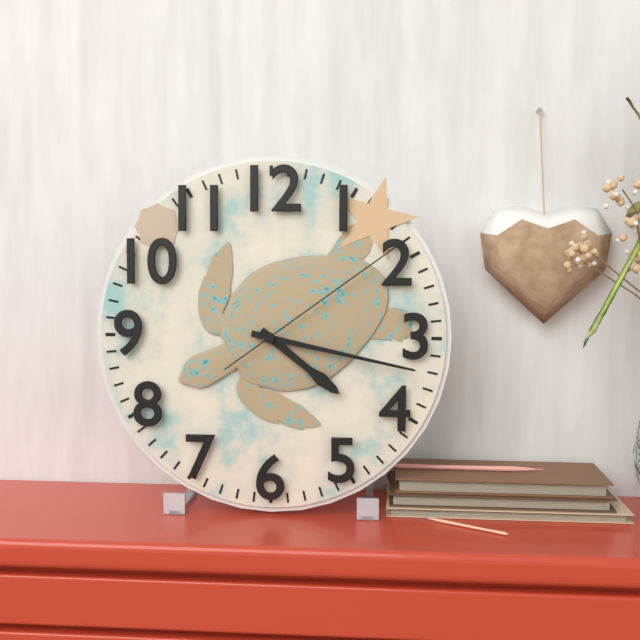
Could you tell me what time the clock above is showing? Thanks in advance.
4:17:09
